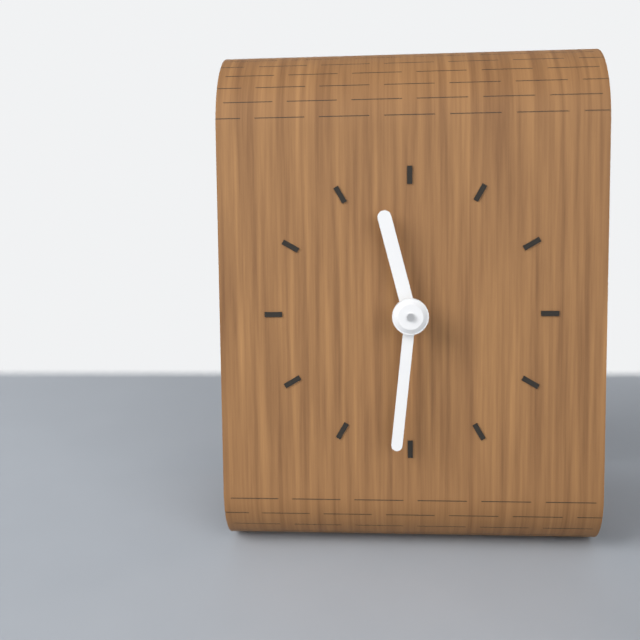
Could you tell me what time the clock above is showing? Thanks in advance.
11:31
